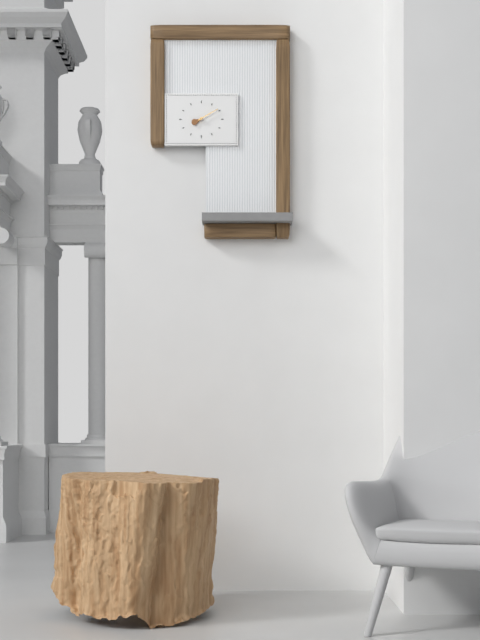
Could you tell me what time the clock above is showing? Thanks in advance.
8:10
